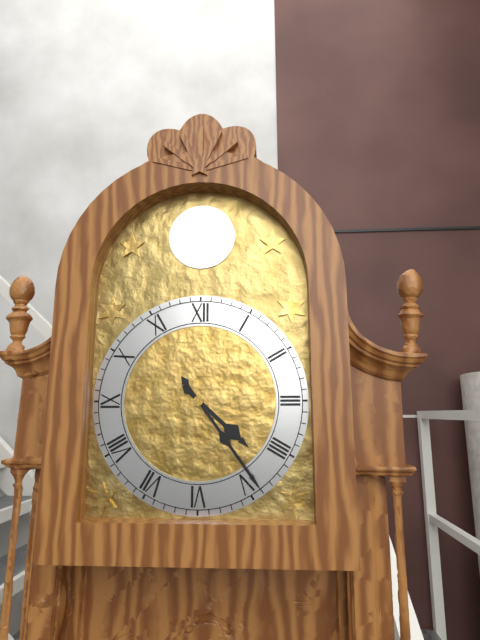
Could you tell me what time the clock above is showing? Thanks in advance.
4:24
